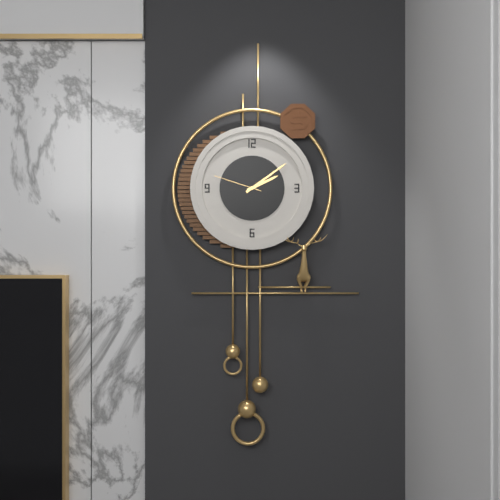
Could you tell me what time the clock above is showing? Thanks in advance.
2:09
